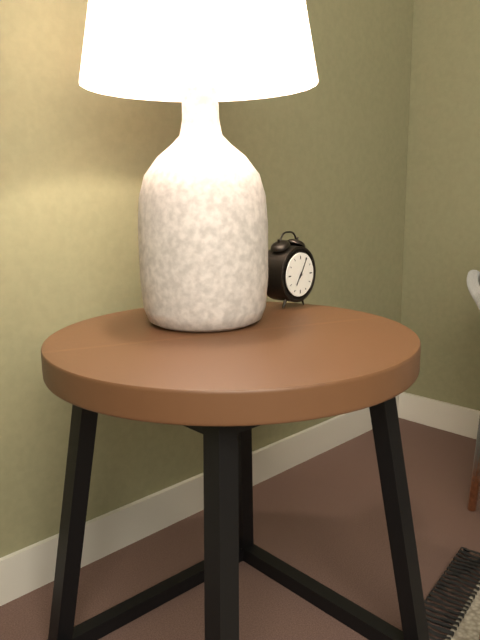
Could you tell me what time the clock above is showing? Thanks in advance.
7:05
